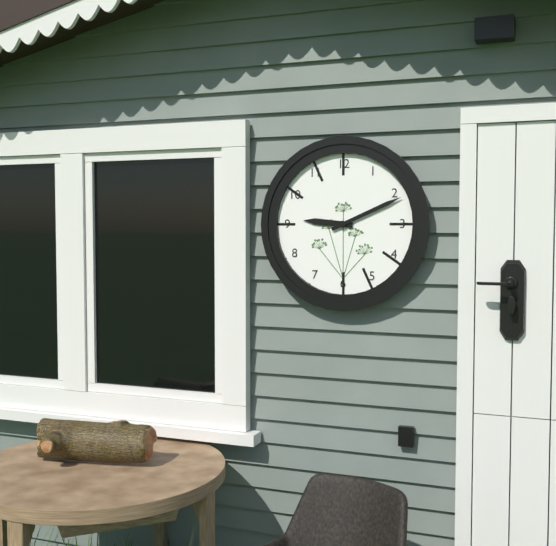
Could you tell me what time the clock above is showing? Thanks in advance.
9:11
